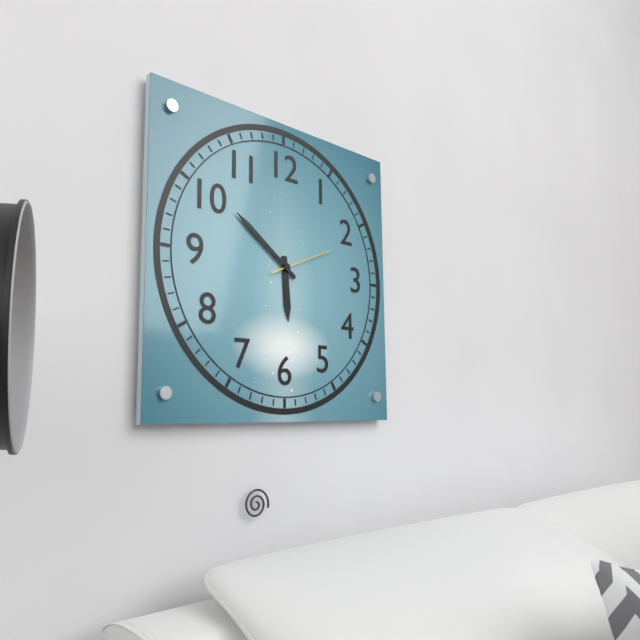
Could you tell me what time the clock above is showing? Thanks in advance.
5:51:11
